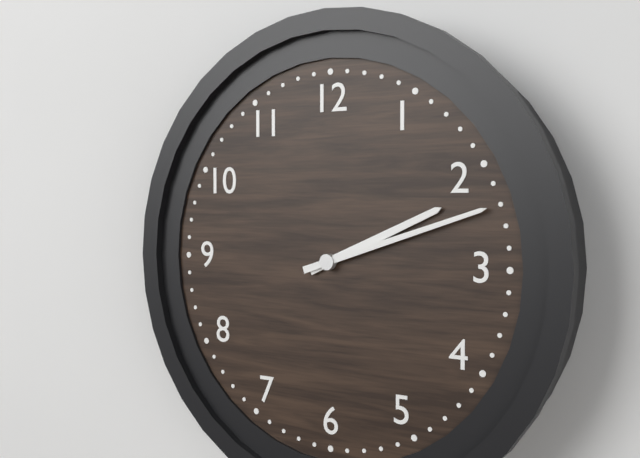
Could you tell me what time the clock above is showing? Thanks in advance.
2:12
